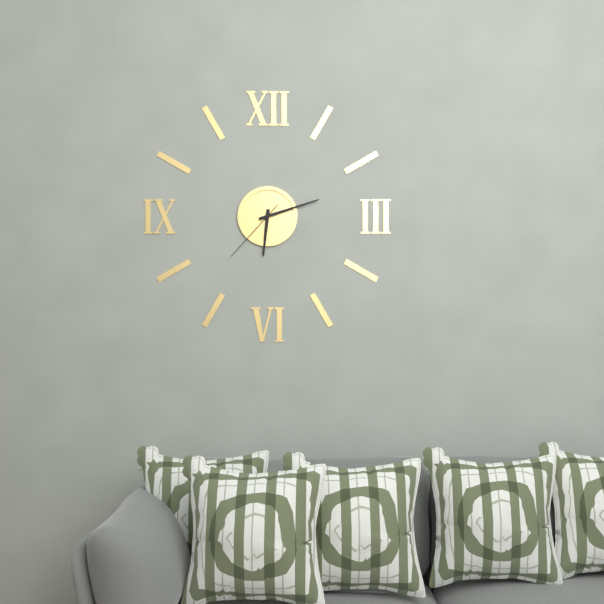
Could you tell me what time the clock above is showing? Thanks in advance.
6:12:37
